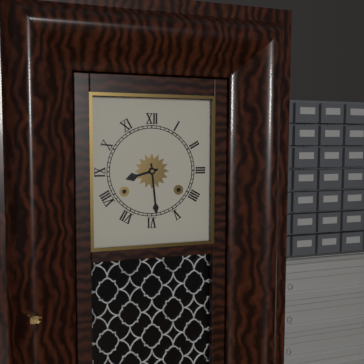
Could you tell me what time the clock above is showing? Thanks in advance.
8:29
